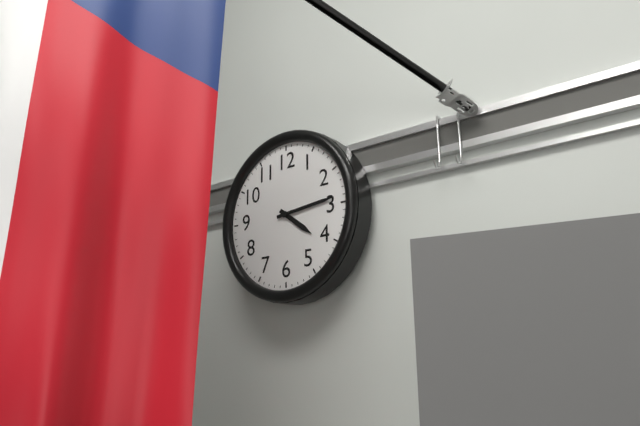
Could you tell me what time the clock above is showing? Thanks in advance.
4:14
